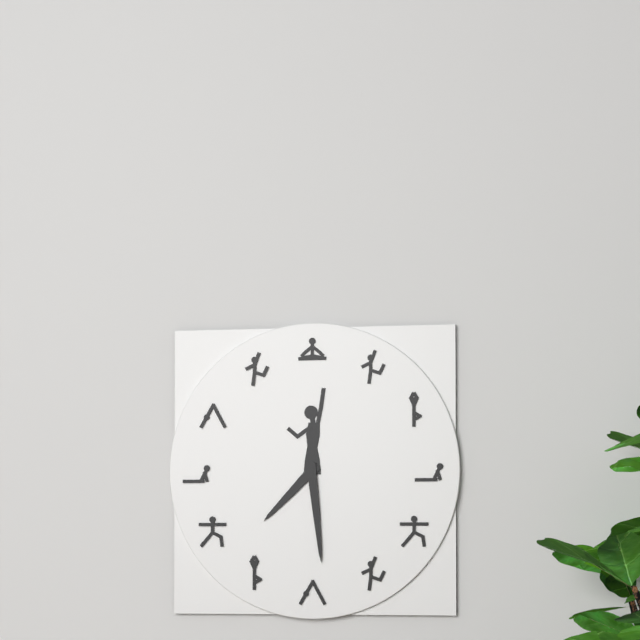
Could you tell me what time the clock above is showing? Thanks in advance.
7:29
